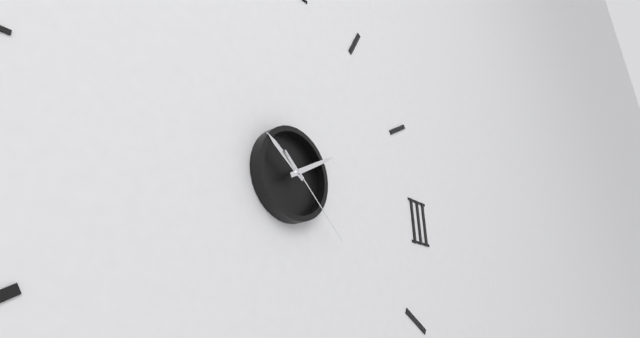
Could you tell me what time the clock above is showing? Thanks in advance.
10:10:22
